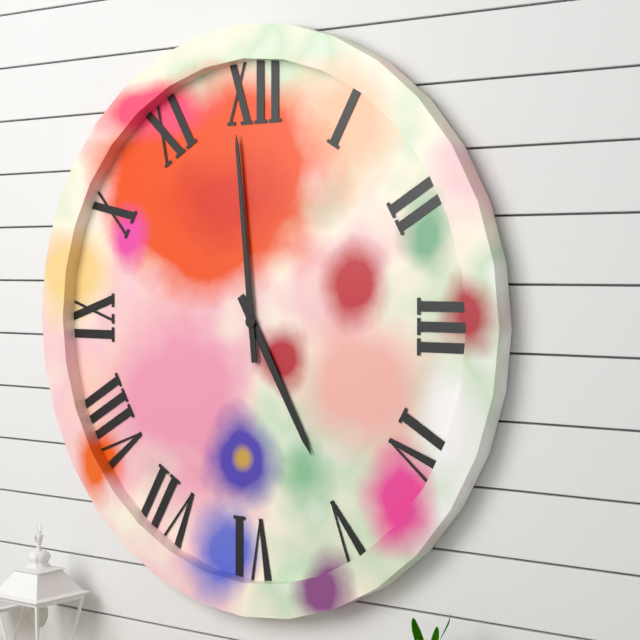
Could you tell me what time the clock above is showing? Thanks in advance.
4:59
